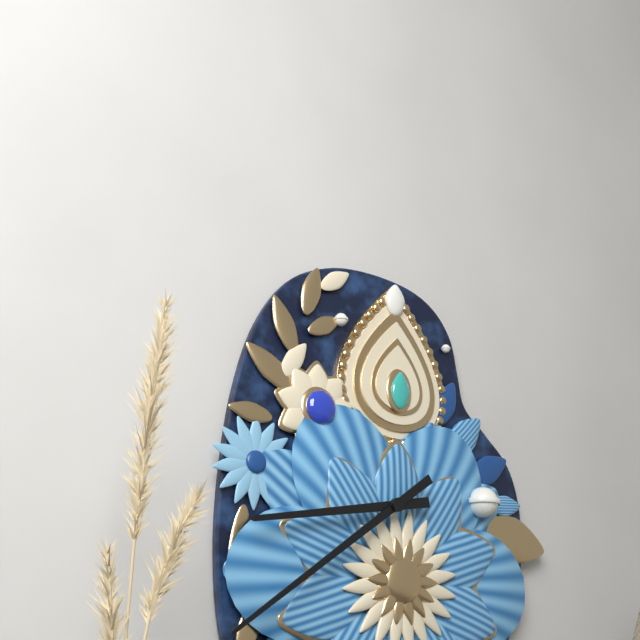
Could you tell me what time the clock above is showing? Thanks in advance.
8:39
